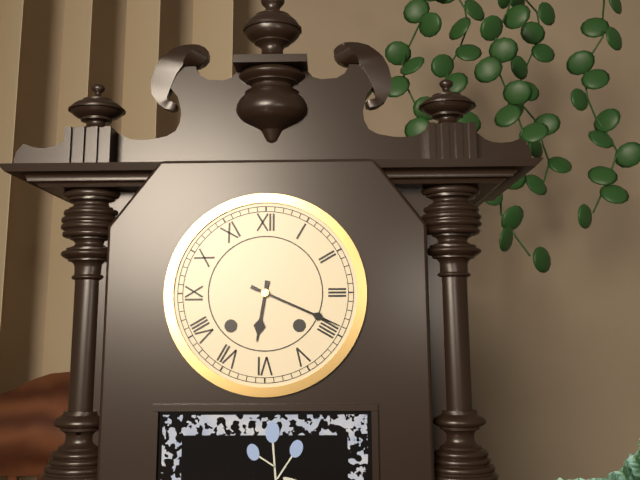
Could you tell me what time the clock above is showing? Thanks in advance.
6:19
